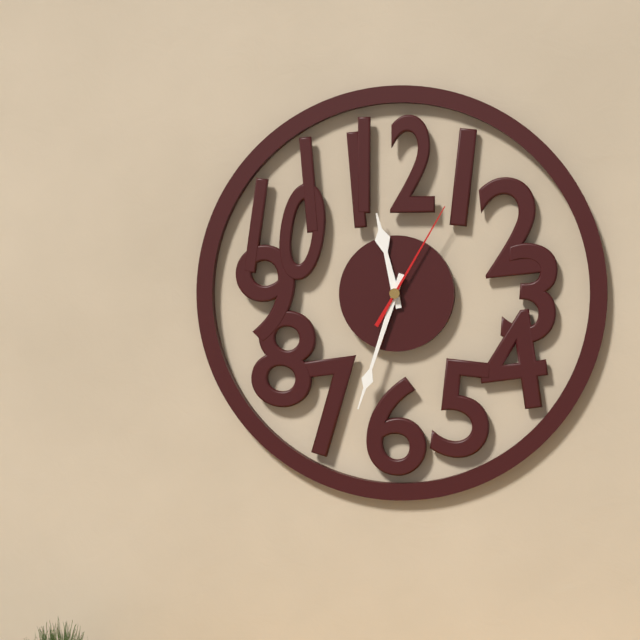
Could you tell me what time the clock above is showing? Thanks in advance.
11:33:05
